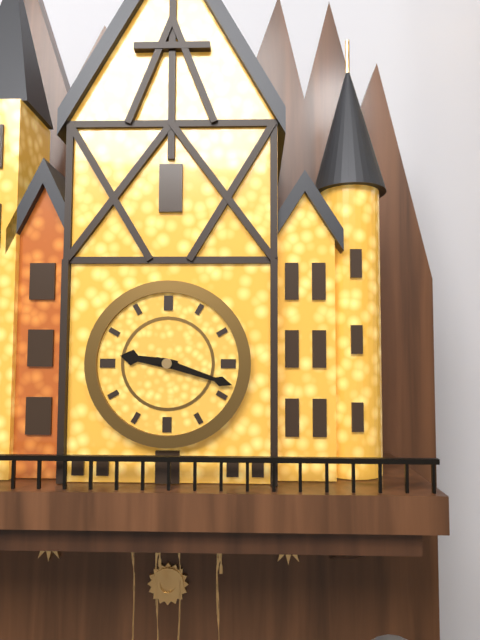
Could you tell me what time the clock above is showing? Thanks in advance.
9:18
